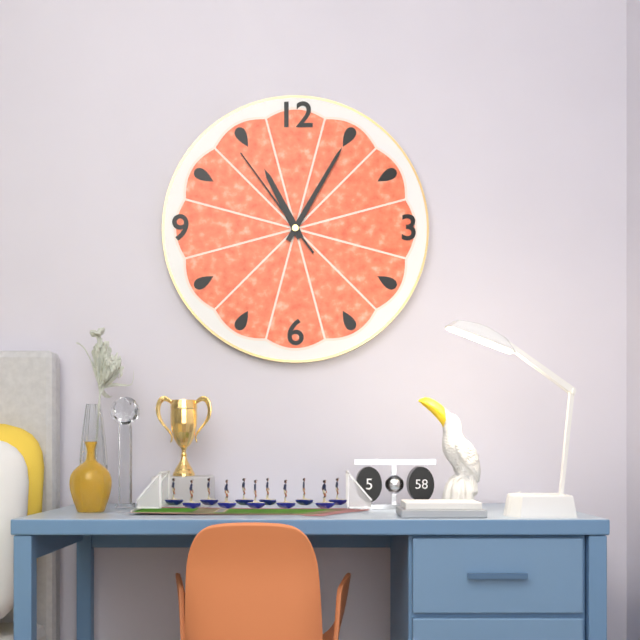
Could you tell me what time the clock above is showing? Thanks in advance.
11:05:54
